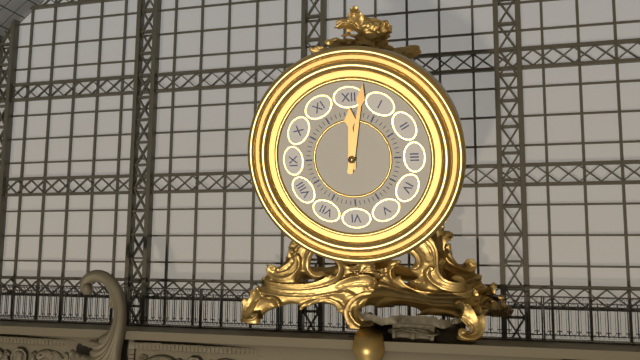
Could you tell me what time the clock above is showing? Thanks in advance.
12:02
